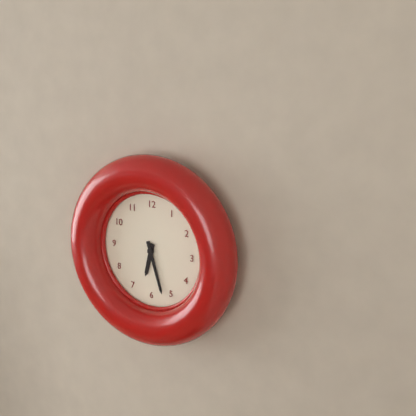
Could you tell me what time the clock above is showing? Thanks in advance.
6:27
